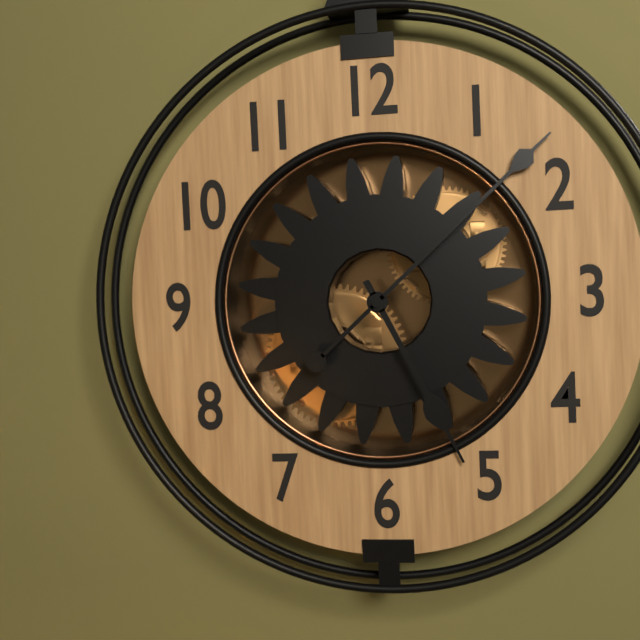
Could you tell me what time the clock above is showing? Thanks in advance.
5:08
